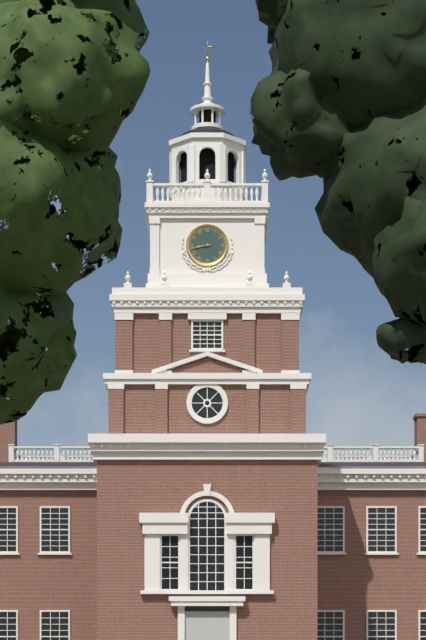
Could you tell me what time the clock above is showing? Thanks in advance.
8:43
